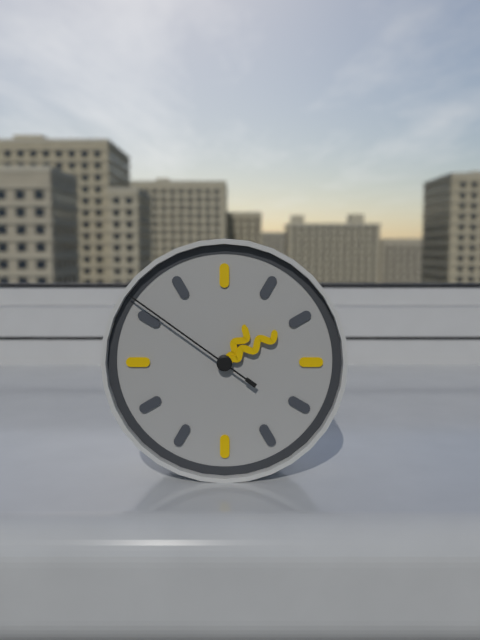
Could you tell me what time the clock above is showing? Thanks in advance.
1:10:51
